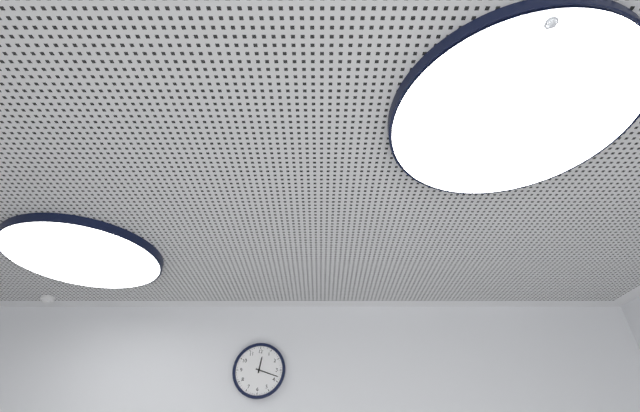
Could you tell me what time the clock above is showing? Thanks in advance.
12:18
